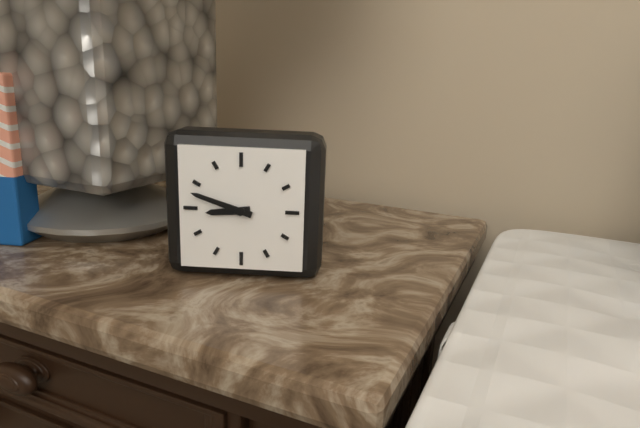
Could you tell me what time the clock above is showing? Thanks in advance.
8:48
